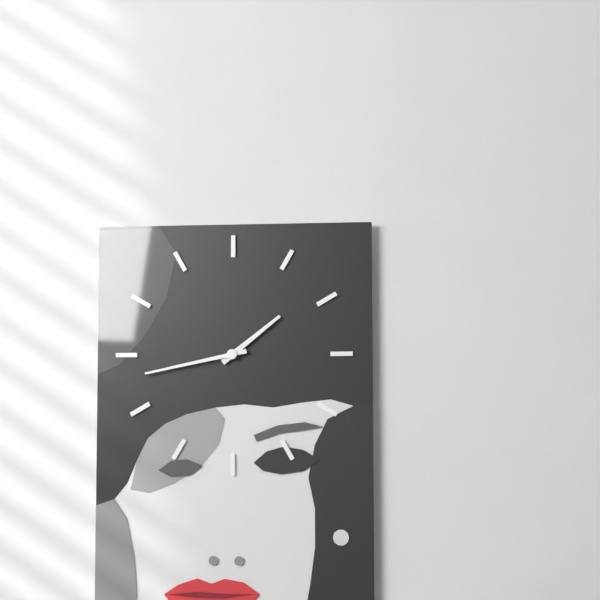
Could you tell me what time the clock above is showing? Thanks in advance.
1:43
